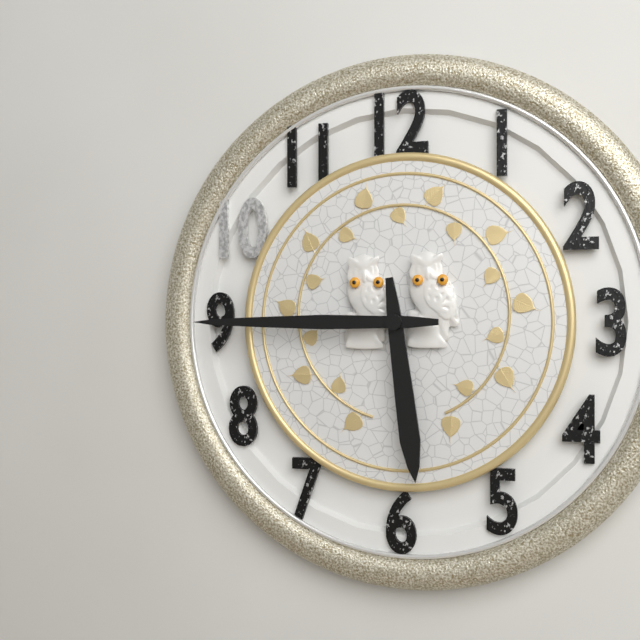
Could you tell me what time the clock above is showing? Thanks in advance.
5:45
